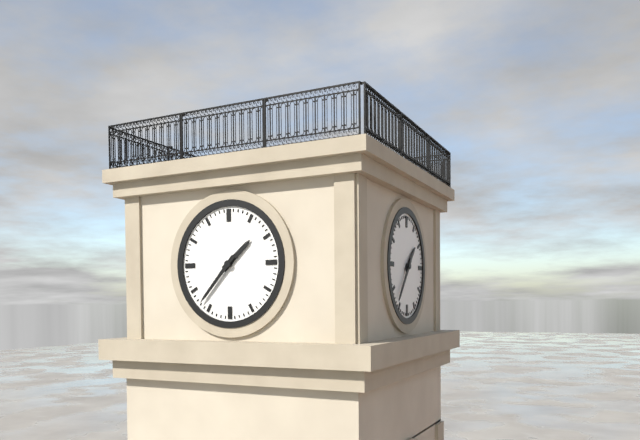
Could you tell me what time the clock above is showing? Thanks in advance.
1:37
